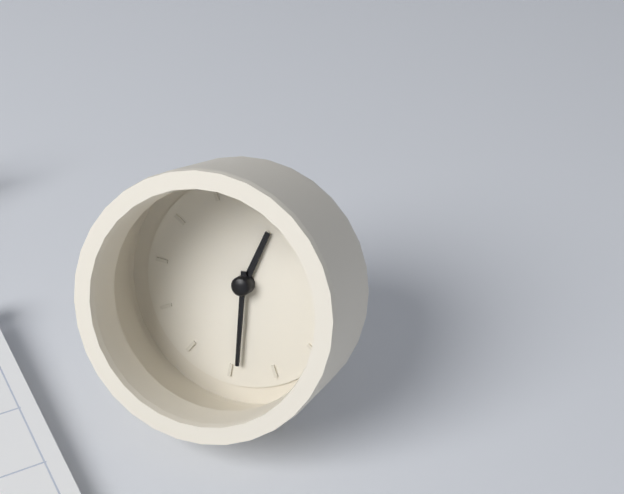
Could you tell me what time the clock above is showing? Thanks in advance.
12:29
